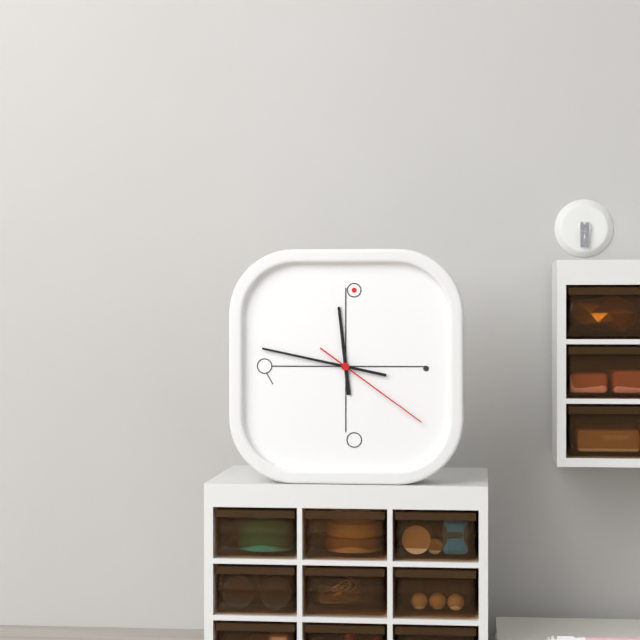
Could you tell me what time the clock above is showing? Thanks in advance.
11:47:21
